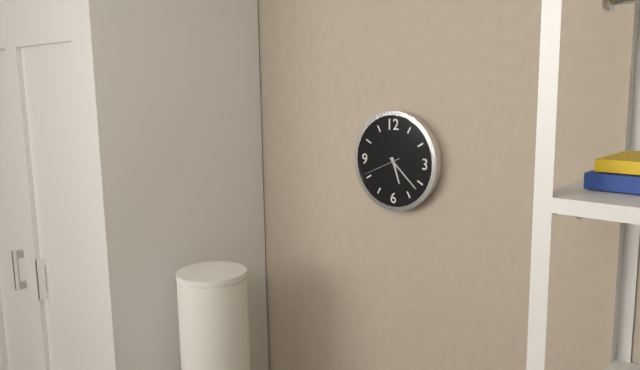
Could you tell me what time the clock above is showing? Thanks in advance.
5:22
